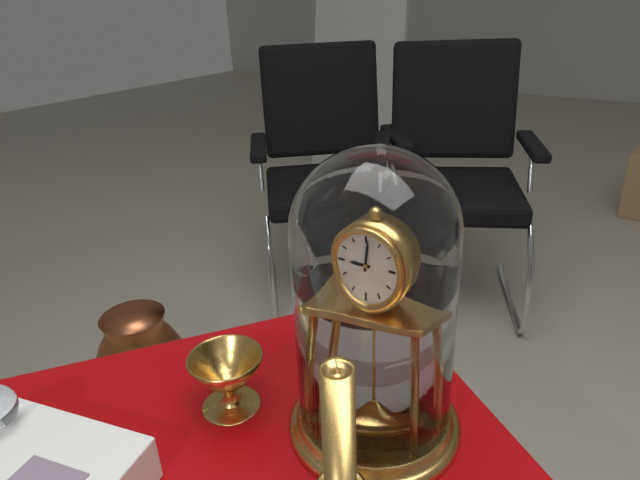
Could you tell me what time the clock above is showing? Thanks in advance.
9:01
